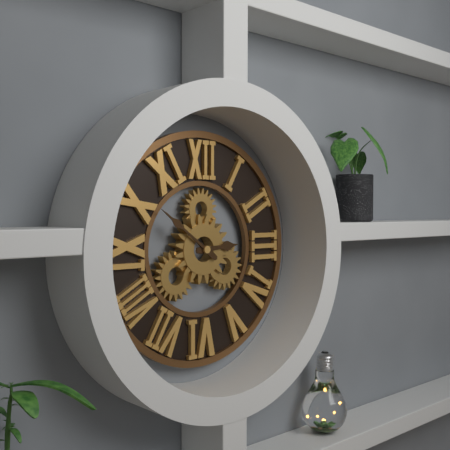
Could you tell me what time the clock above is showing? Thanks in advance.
2:51
